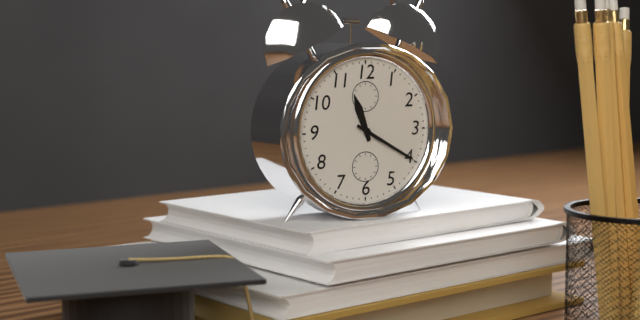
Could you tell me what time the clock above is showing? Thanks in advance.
11:20
